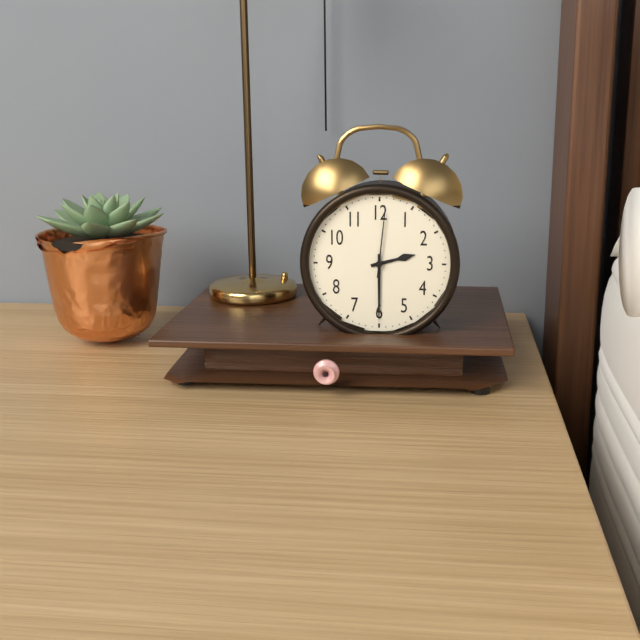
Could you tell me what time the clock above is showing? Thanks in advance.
2:30:01
